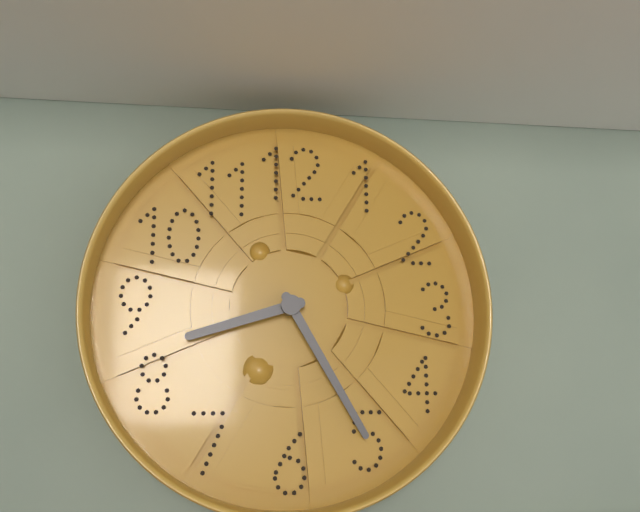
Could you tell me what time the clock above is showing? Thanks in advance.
8:25
